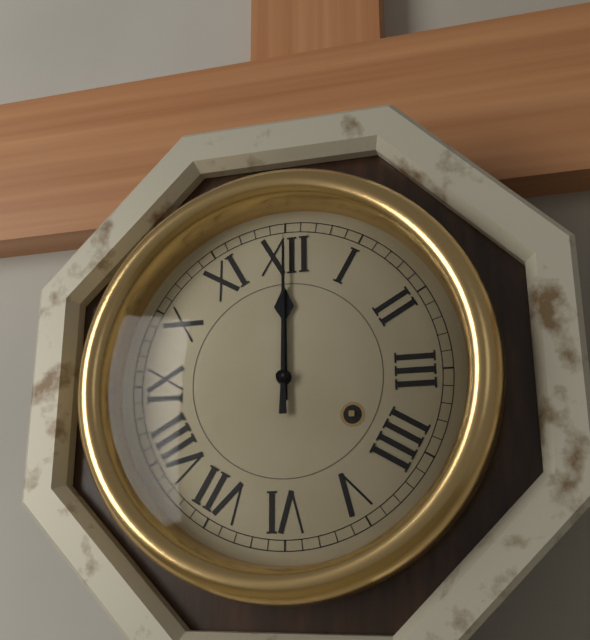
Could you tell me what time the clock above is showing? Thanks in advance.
12:00
